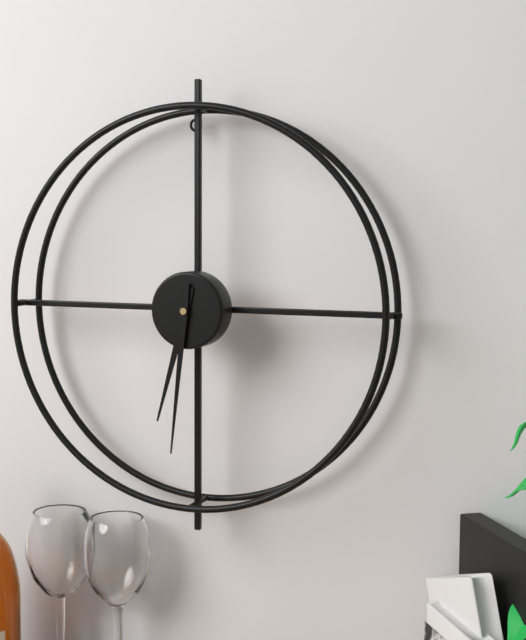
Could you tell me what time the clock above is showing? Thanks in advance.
6:31
